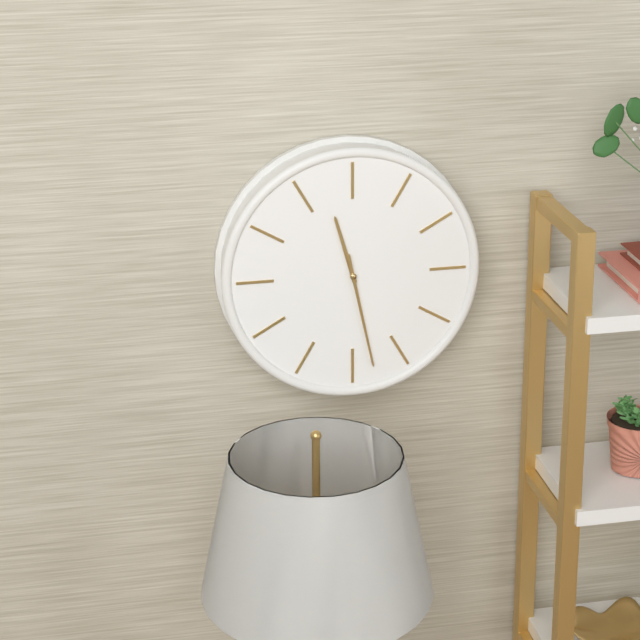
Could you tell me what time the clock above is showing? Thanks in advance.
11:28
